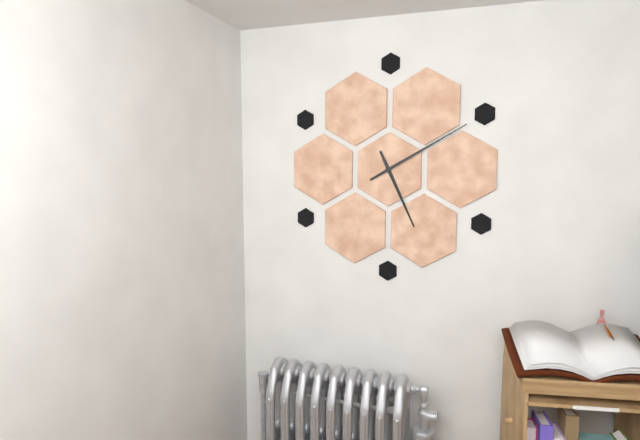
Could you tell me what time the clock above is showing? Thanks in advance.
5:10
